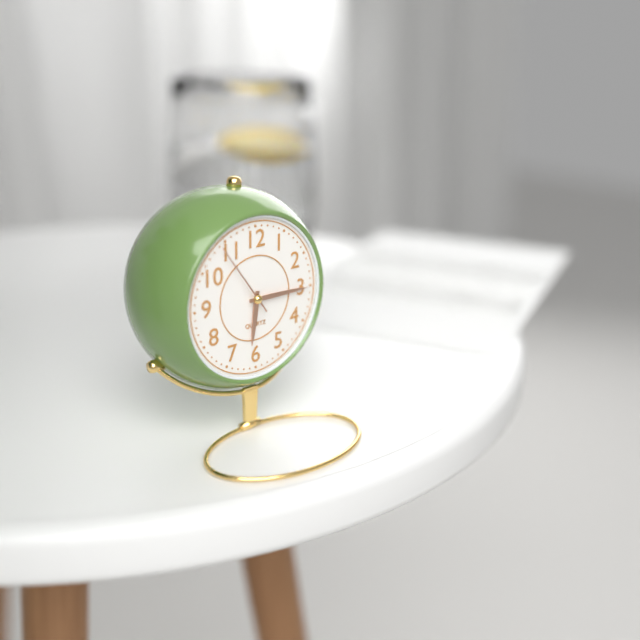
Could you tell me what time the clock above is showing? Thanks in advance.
6:15:54
